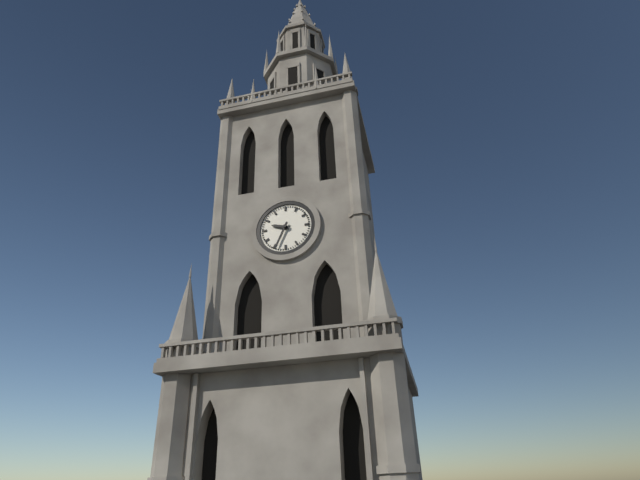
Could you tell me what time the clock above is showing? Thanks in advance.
9:34
